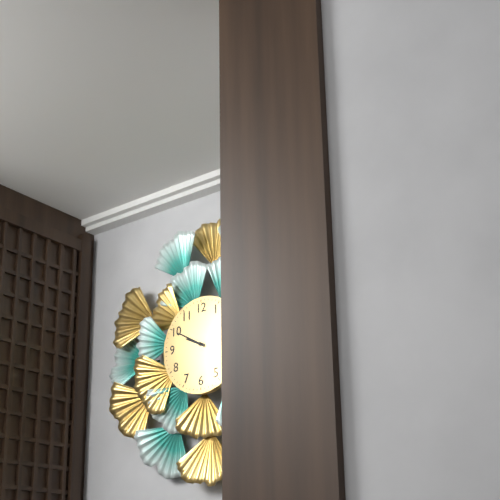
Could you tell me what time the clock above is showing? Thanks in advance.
9:50
